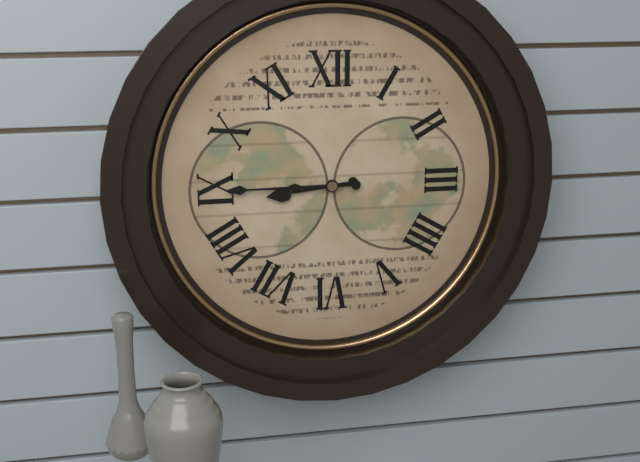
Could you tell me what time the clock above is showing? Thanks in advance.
8:45
